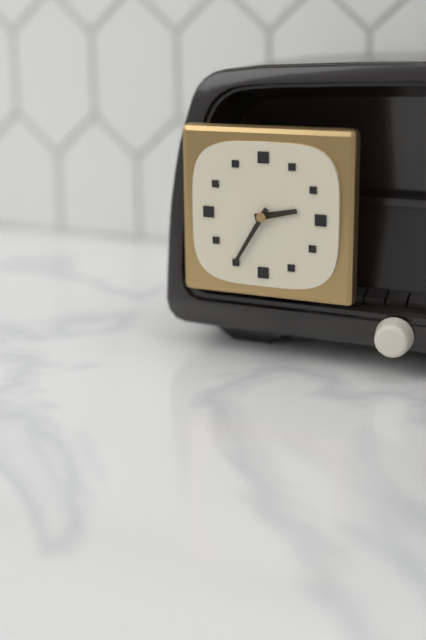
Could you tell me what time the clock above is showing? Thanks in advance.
2:35
